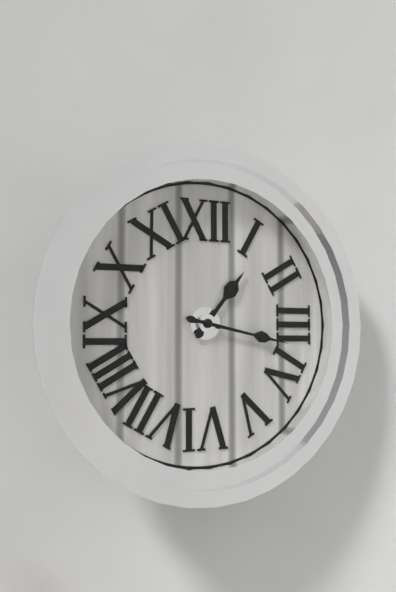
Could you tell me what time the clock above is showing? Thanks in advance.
1:17
